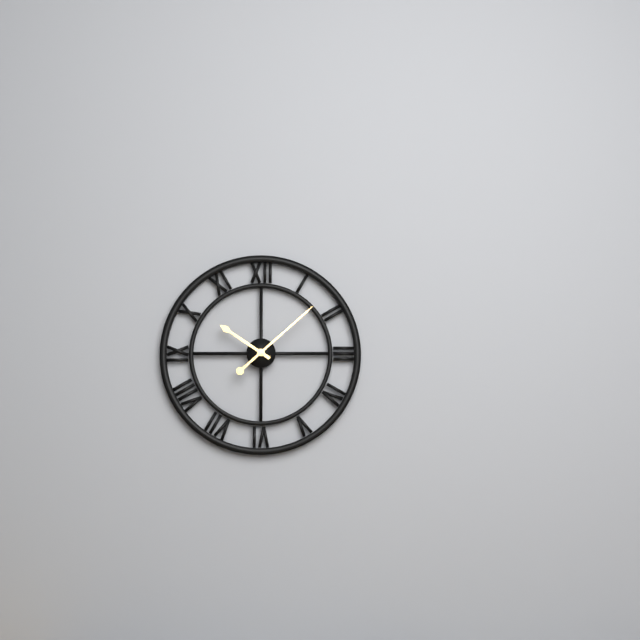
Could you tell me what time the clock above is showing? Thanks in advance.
10:08
